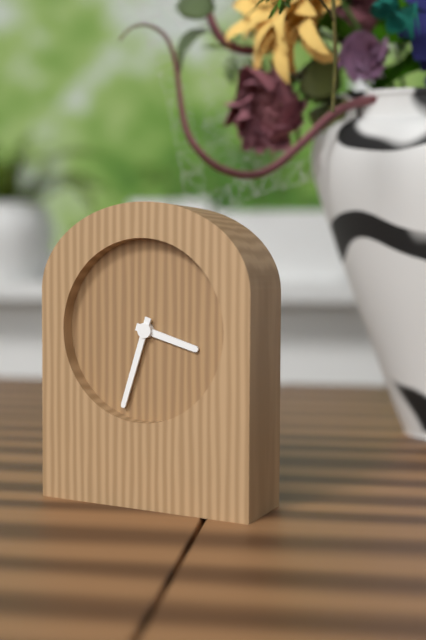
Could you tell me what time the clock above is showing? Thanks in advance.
3:33
